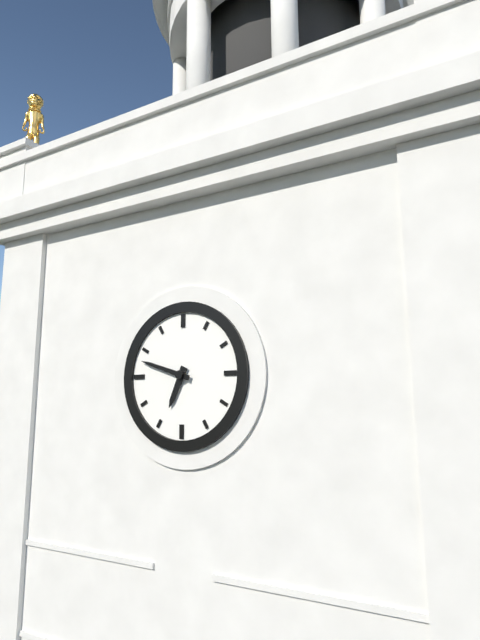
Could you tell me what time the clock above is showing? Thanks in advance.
6:48
